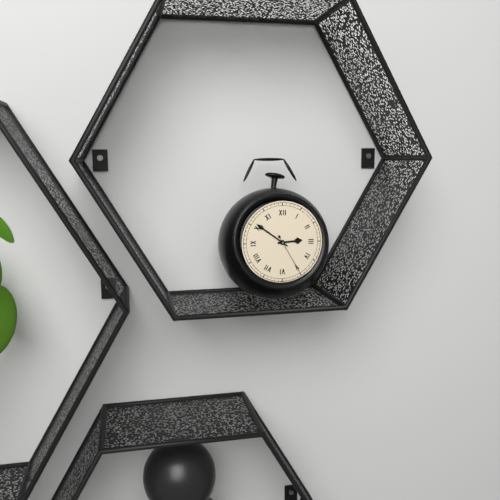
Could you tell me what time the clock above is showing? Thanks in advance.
2:51
